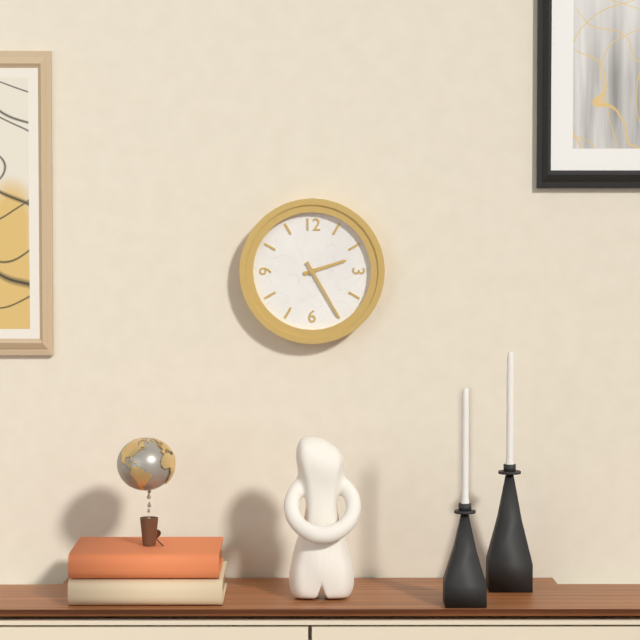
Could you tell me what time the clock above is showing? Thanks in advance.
2:25
